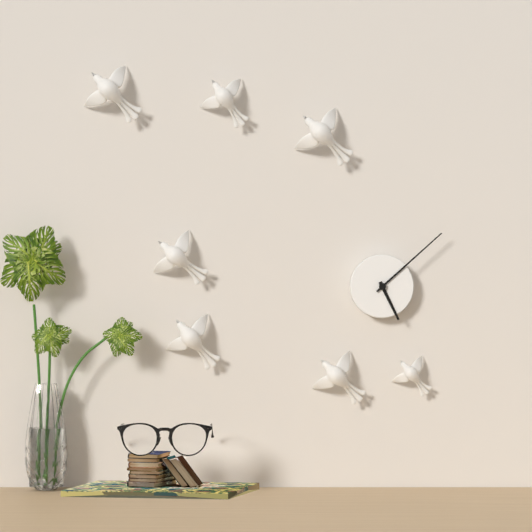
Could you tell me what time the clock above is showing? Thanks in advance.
5:08
